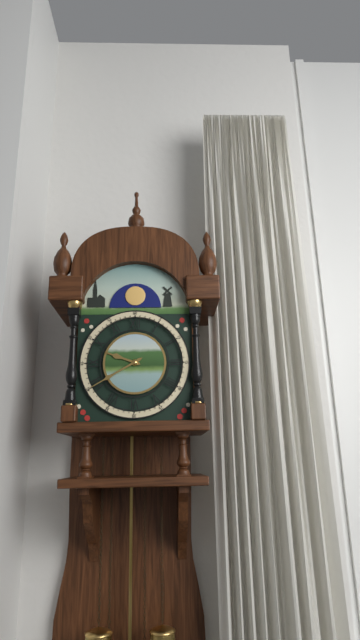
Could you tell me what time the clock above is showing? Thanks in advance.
9:40
